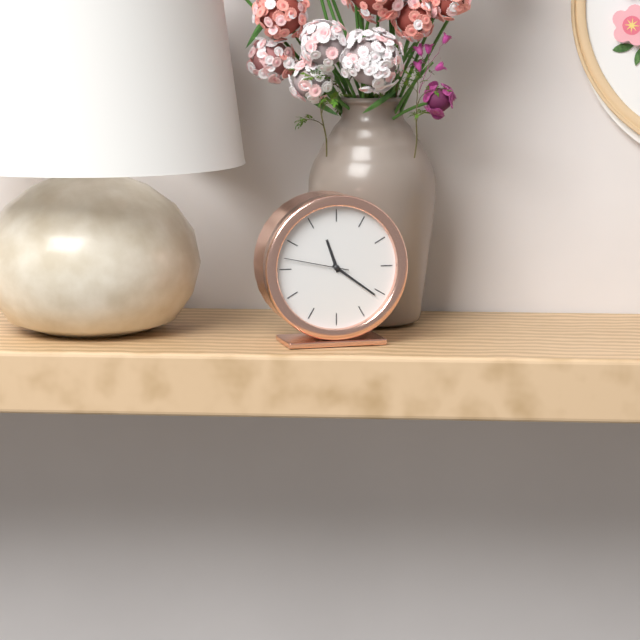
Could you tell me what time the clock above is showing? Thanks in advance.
11:21:47
